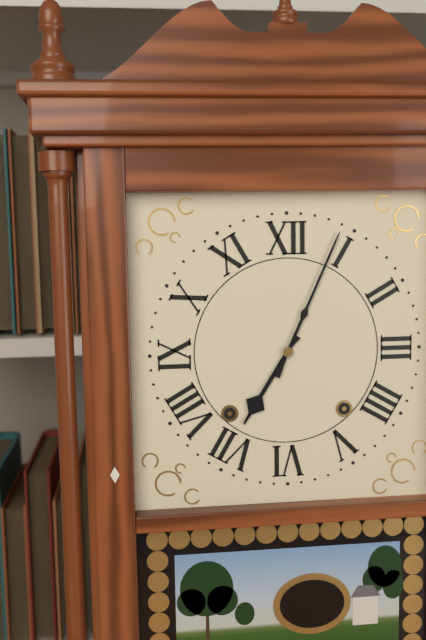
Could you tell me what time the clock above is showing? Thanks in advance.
7:04
